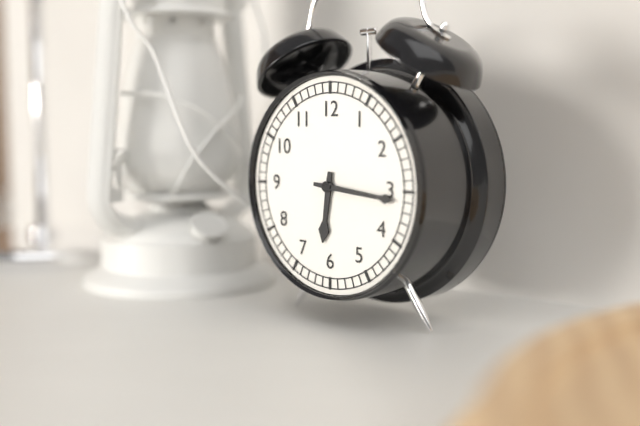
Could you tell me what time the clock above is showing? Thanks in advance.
6:16
